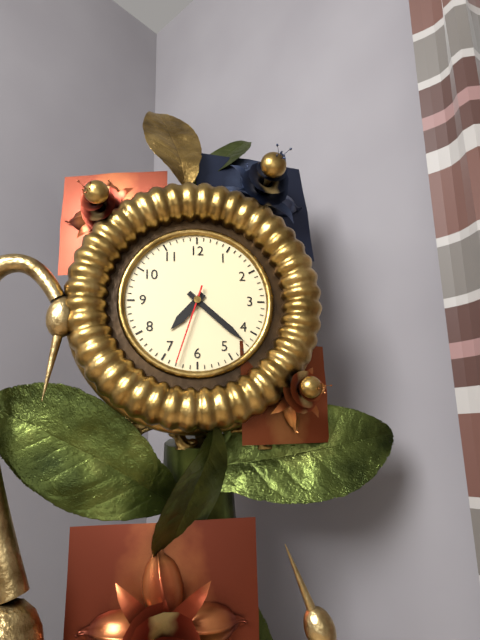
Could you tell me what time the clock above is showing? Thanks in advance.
7:22:33
